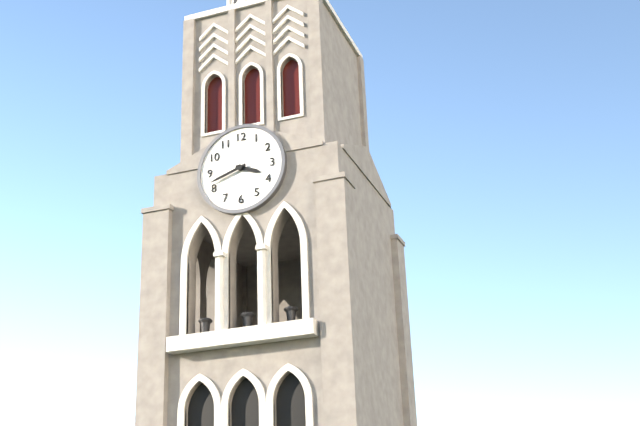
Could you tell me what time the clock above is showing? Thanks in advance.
3:42
